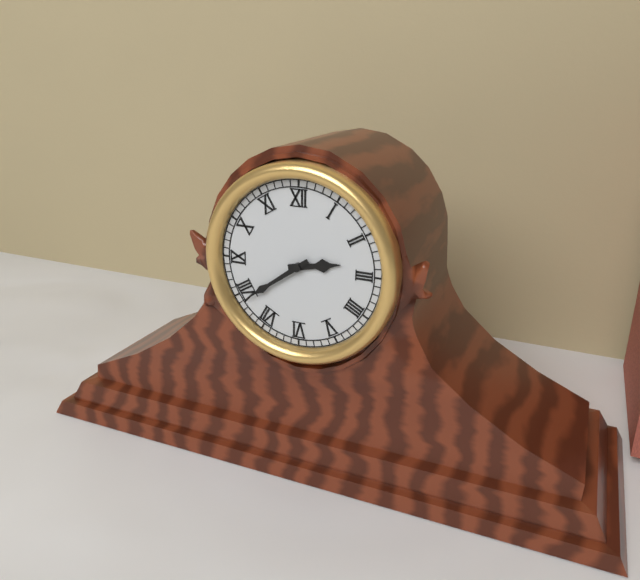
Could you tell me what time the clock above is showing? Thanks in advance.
2:39
